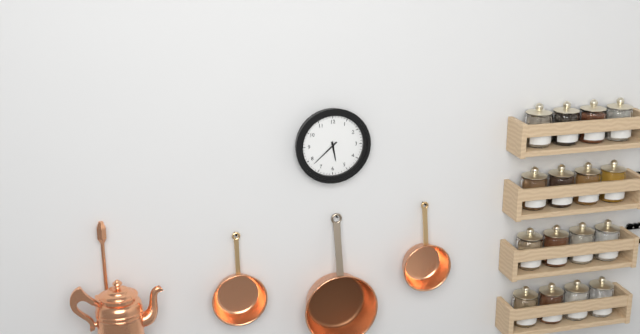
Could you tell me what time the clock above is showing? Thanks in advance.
5:38
